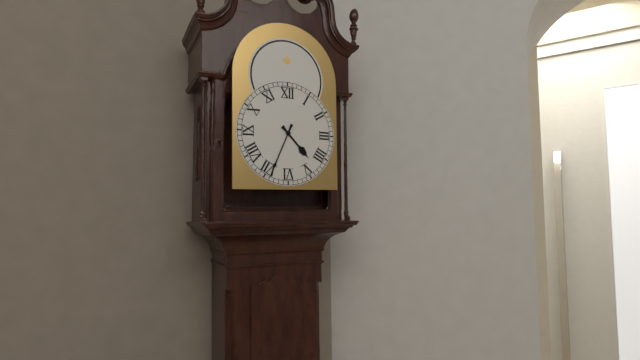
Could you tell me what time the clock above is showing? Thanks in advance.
4:34
